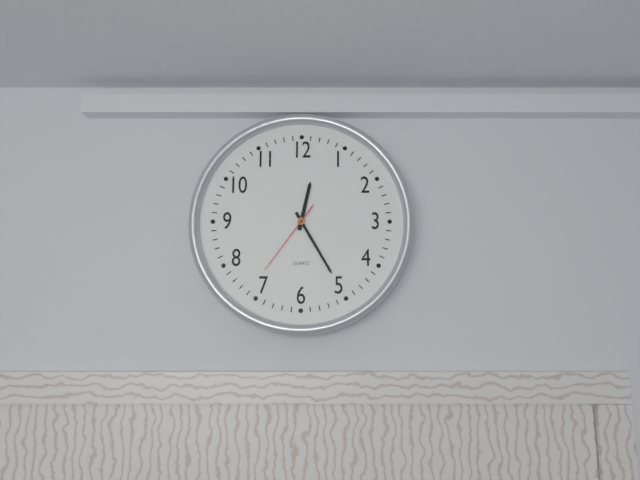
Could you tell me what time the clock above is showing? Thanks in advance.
12:25:36
